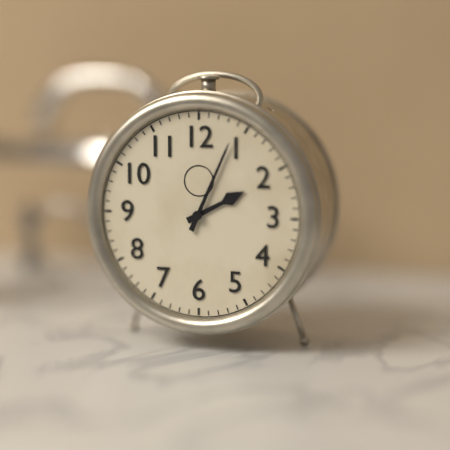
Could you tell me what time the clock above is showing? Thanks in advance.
2:04
